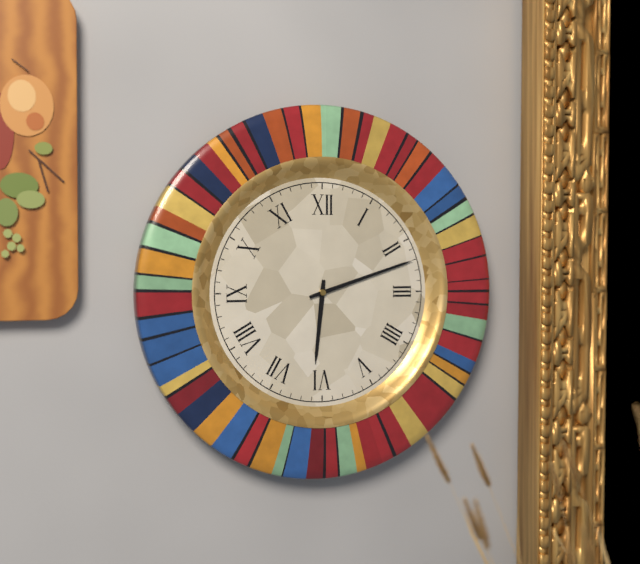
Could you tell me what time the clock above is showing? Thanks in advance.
6:12
